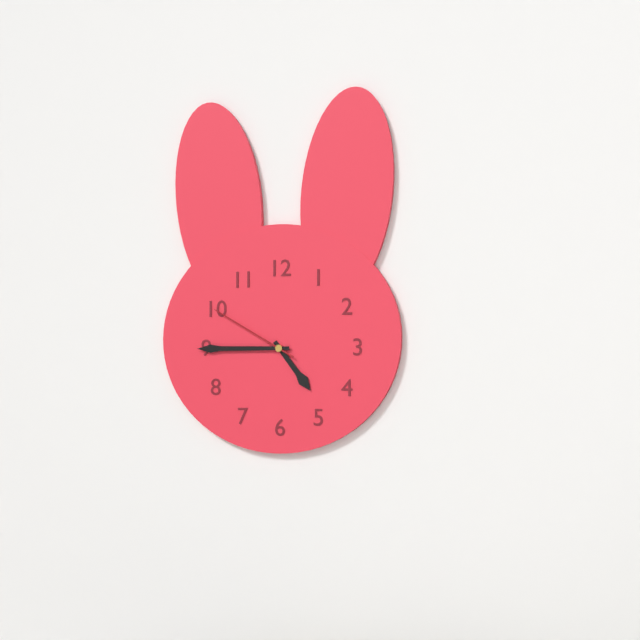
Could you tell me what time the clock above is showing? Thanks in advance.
4:45:50
